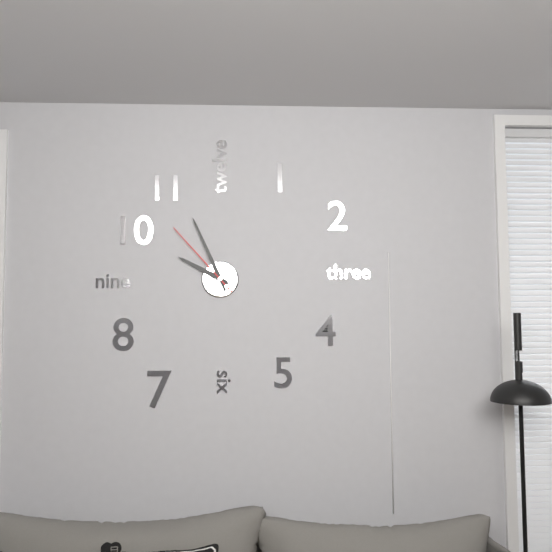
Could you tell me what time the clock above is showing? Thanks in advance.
9:56:53
